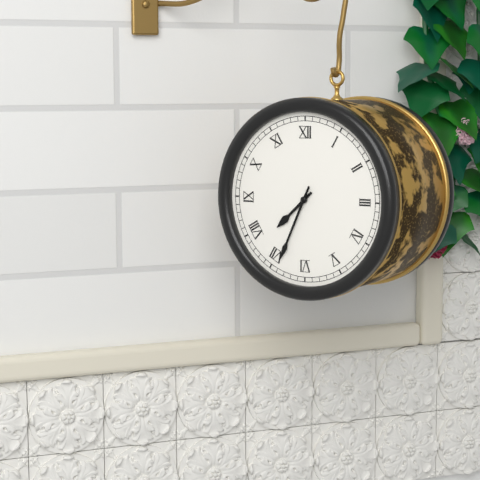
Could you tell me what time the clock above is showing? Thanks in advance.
7:34
